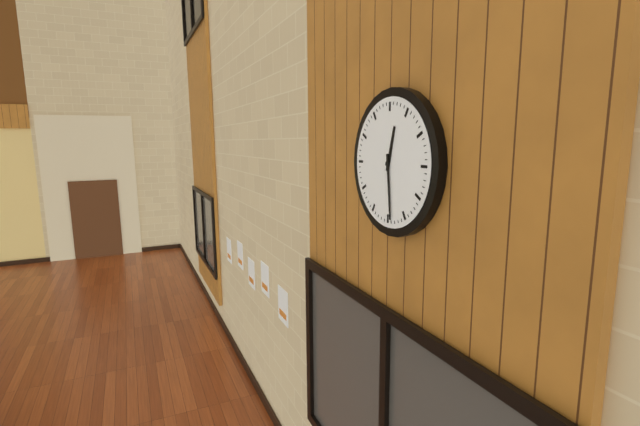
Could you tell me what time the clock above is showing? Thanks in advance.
12:29
